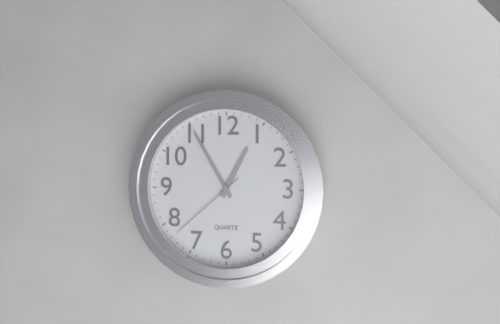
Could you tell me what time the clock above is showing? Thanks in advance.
12:55:38
